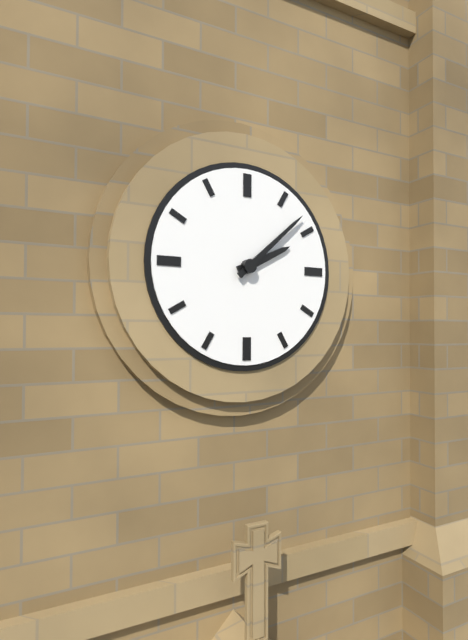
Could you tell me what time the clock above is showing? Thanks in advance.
2:08
